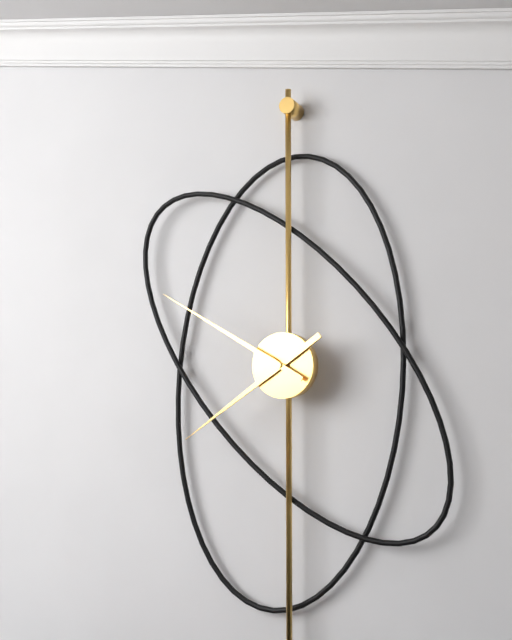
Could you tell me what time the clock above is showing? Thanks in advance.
7:50
